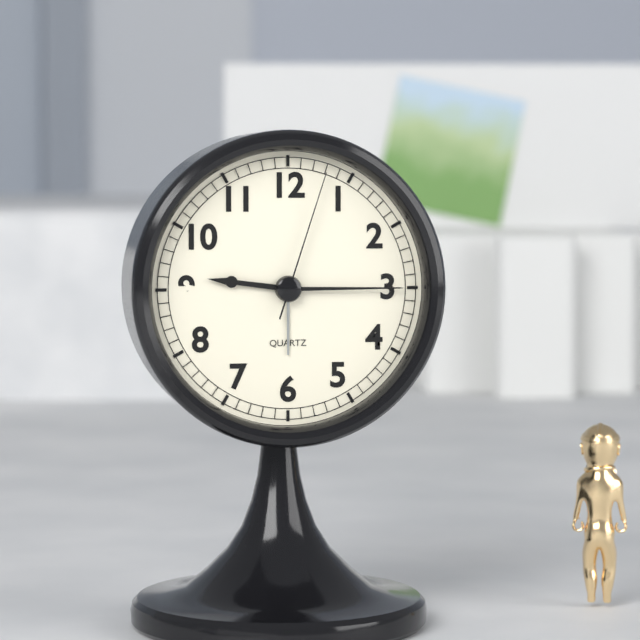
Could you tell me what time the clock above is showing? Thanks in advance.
9:15:03
